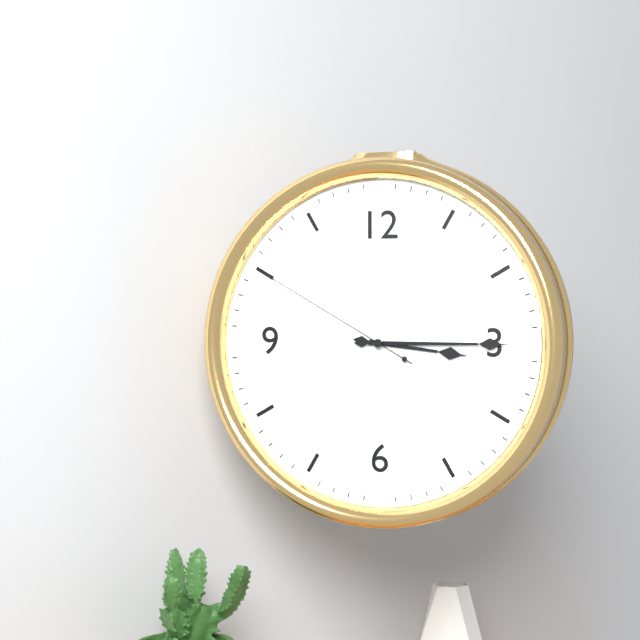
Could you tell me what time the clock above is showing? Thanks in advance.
3:15:50
